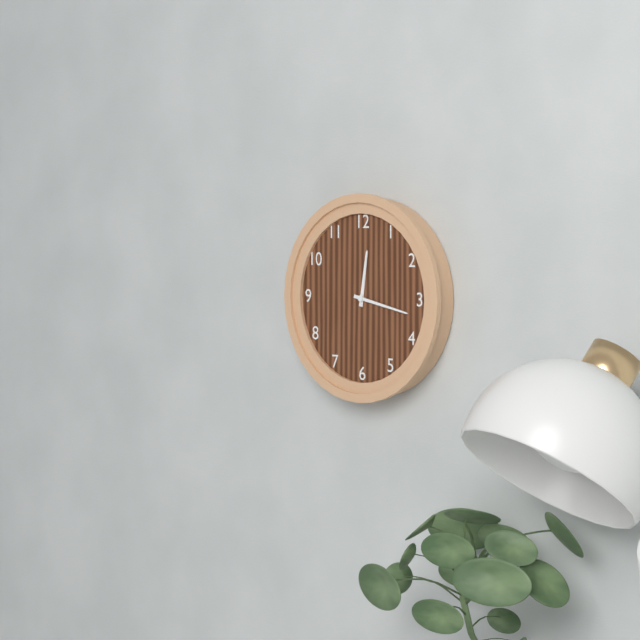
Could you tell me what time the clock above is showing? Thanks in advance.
12:17
